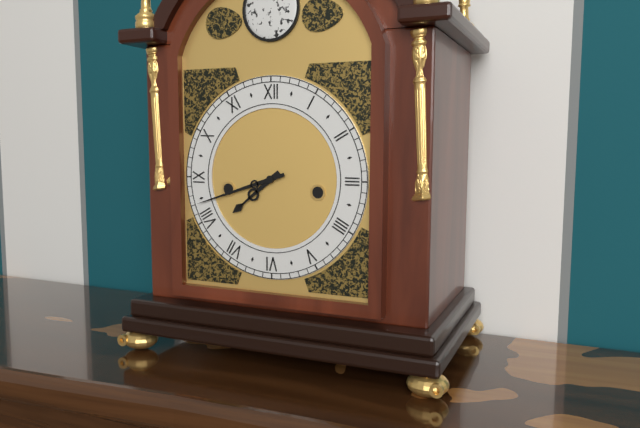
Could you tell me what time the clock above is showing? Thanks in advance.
7:42
